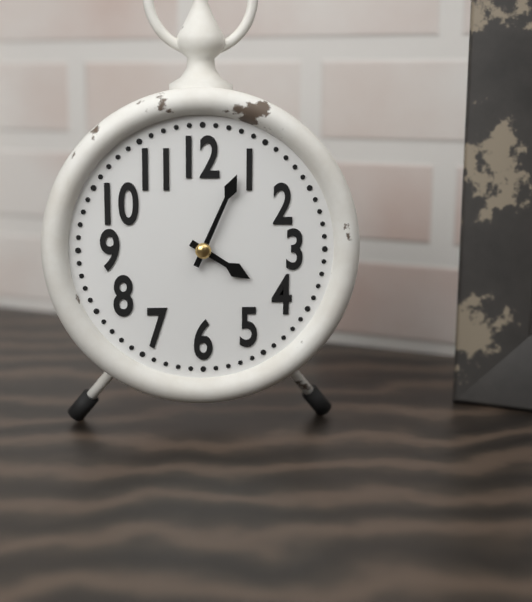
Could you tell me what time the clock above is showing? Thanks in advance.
4:04
